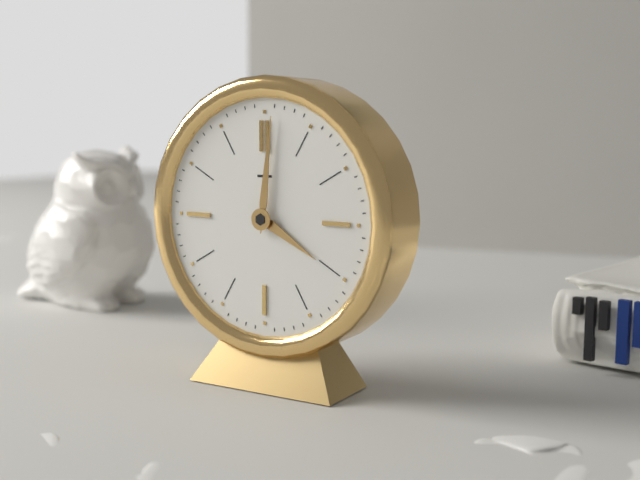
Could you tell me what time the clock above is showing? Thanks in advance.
4:01
